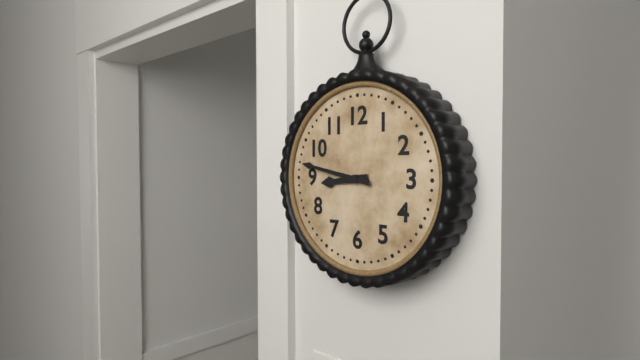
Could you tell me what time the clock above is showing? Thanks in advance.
8:47
